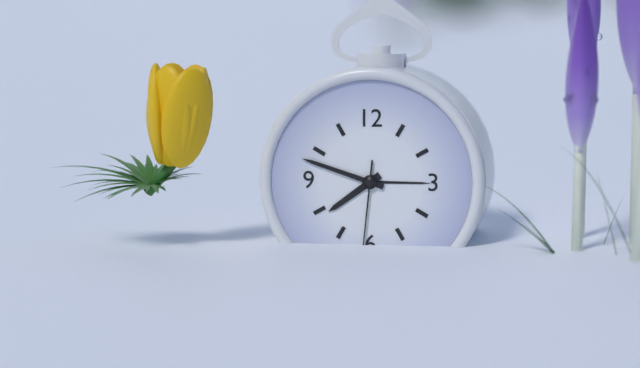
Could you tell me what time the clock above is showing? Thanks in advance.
7:48:31
